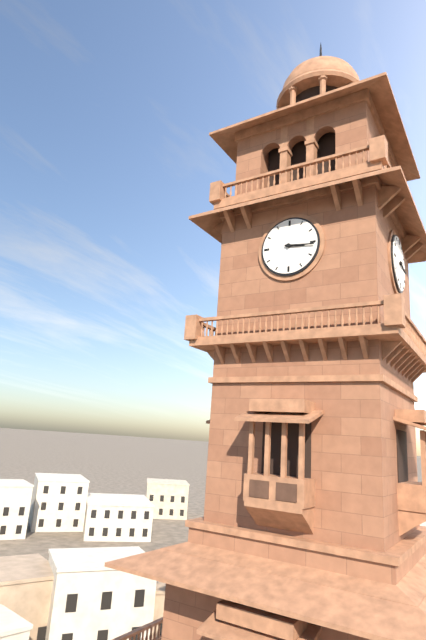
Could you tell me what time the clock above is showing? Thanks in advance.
3:16
